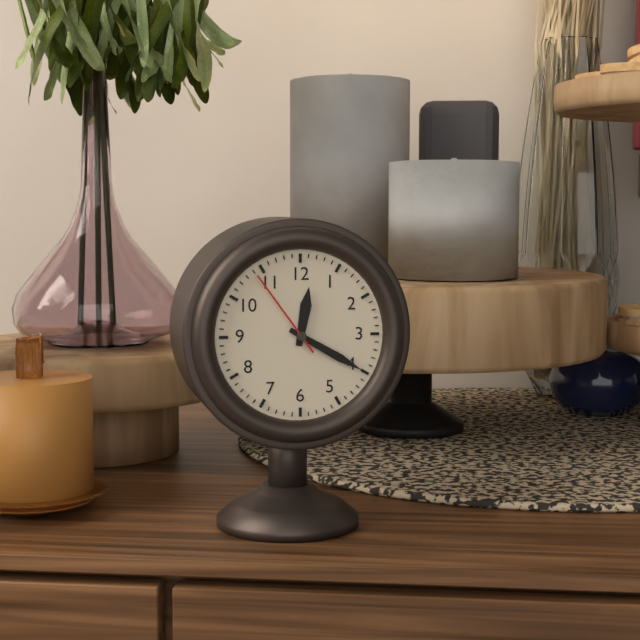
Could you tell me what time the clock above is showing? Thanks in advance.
12:20:54
